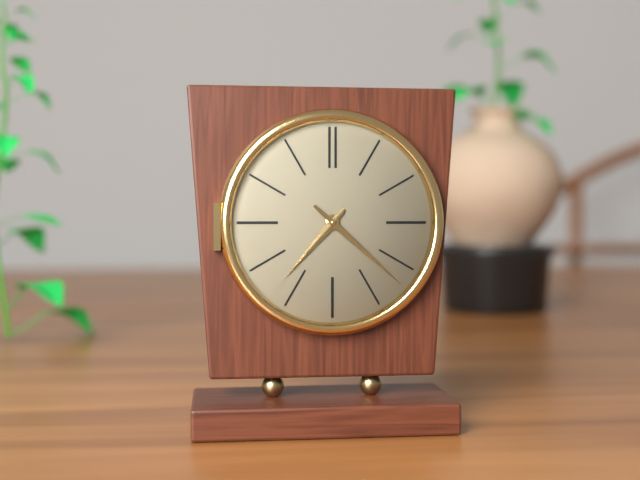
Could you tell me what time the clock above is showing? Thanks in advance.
7:22
